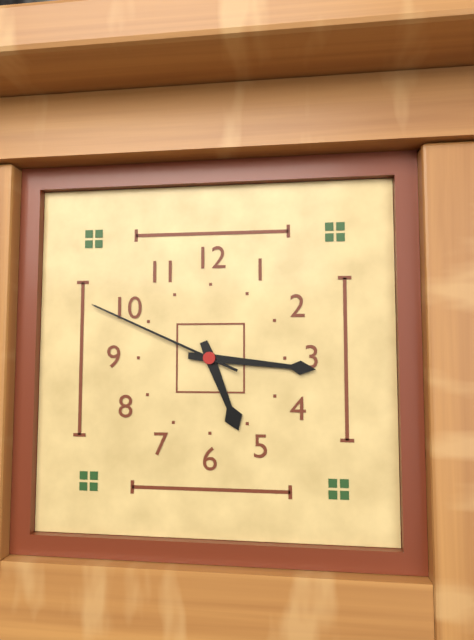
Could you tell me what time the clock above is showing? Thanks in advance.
5:16:49
